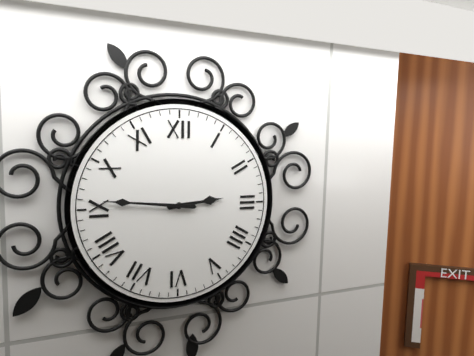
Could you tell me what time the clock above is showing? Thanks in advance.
2:46
